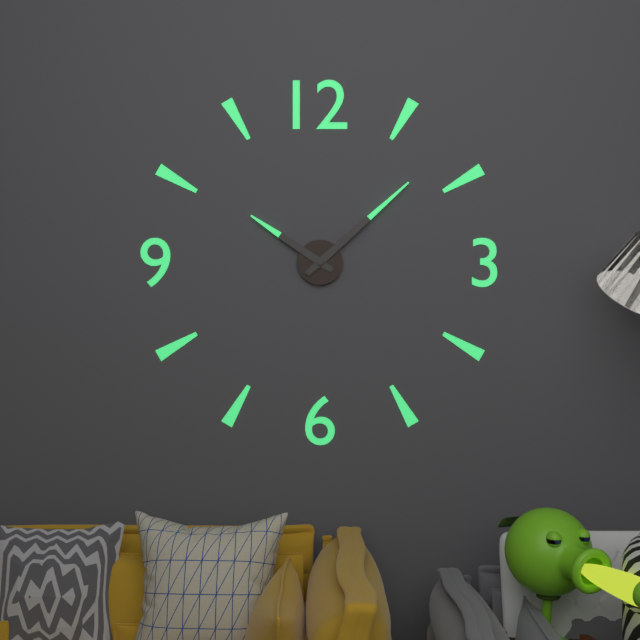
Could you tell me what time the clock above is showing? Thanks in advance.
10:08
